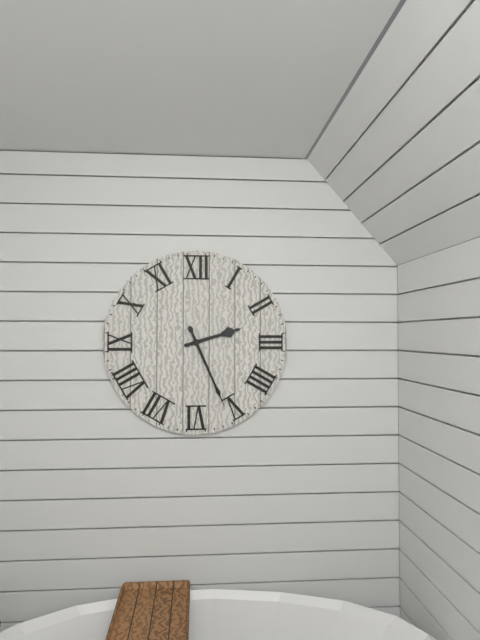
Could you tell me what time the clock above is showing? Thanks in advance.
2:26
